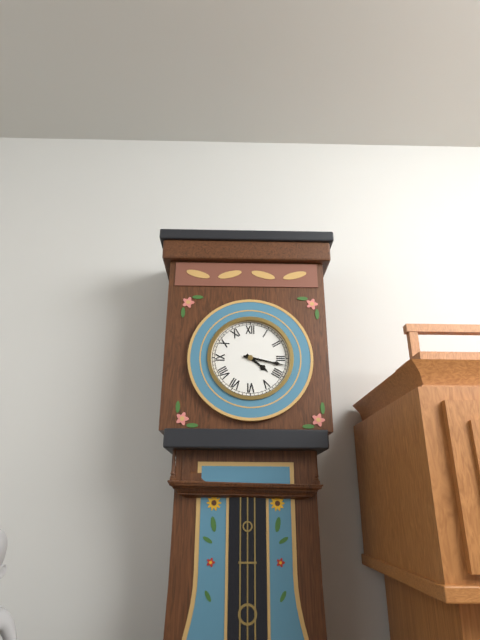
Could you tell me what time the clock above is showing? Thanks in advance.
4:17
